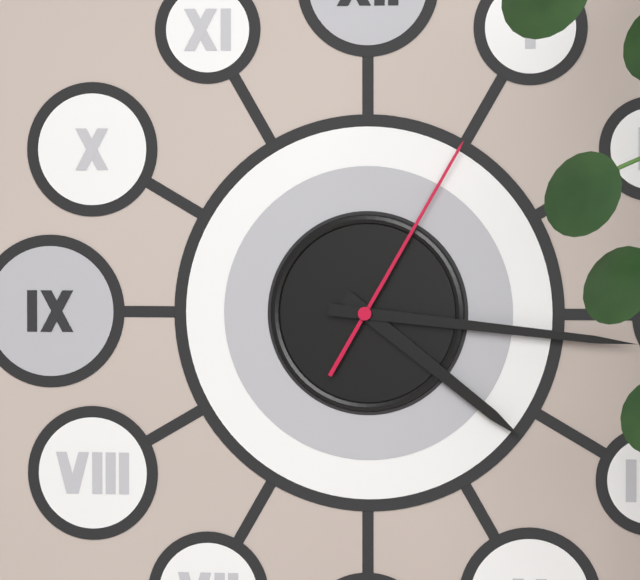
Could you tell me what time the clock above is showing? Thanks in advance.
4:16:05
